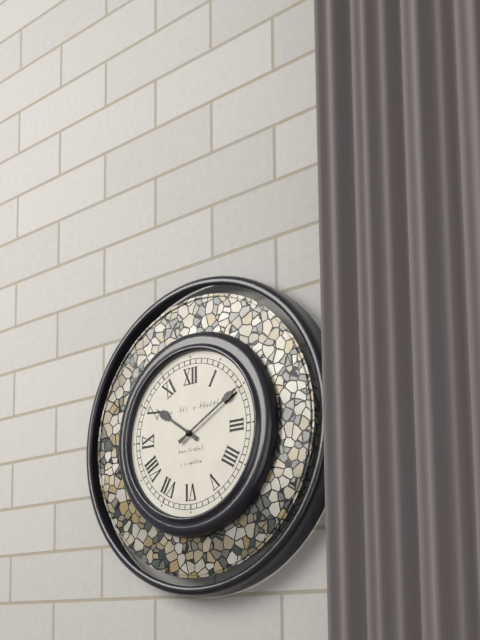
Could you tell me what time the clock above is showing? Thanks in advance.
10:10
